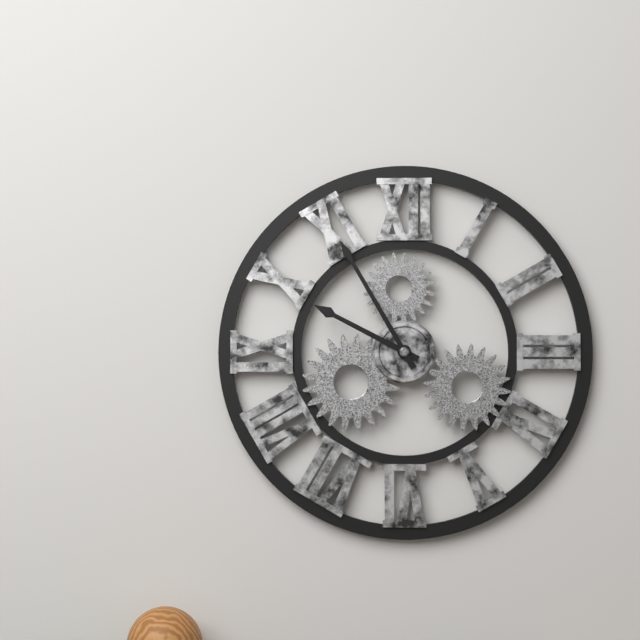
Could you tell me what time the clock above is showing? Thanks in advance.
9:55
